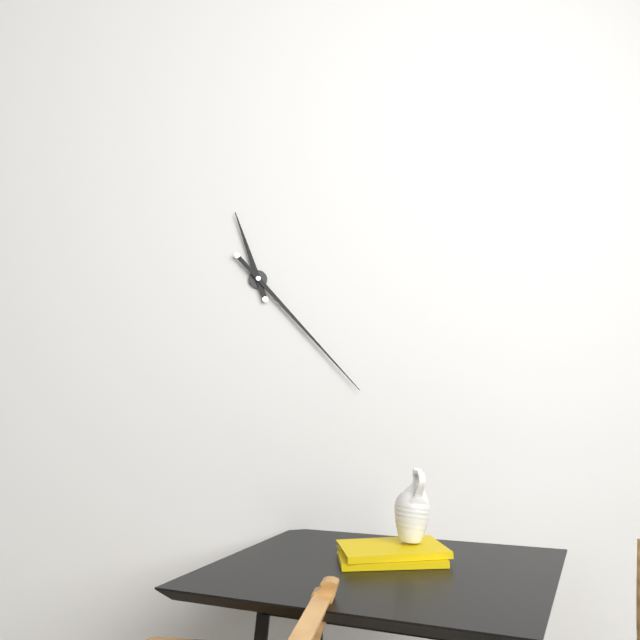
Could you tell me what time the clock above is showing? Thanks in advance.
11:23
